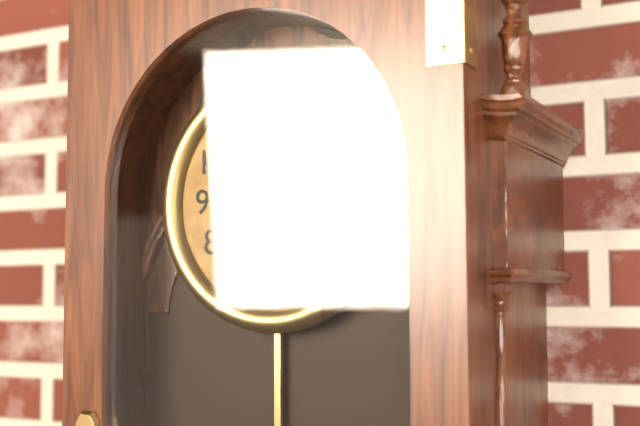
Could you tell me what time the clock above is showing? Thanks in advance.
9:12
